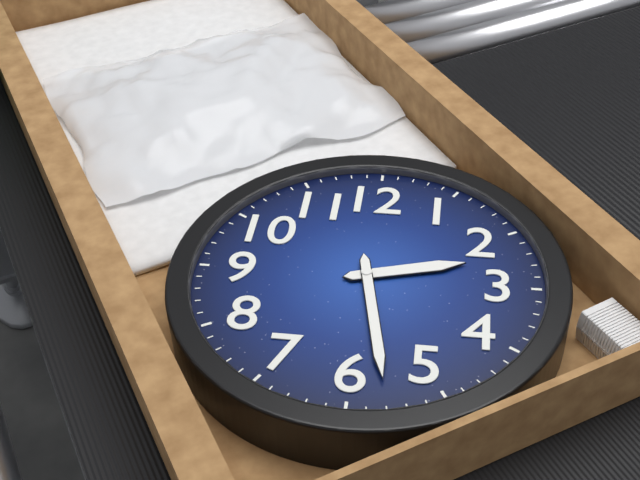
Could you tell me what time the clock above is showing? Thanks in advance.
2:28
